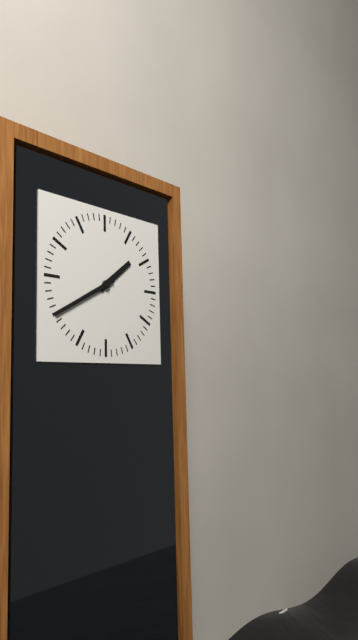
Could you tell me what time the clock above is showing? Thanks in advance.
1:40
